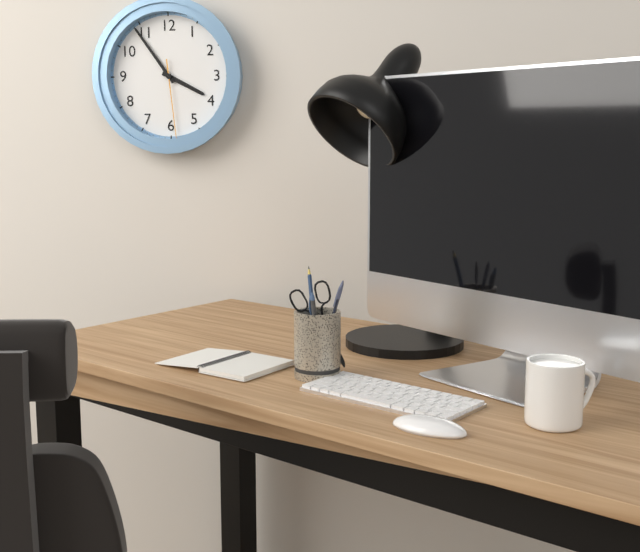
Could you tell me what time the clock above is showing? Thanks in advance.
3:54:29
